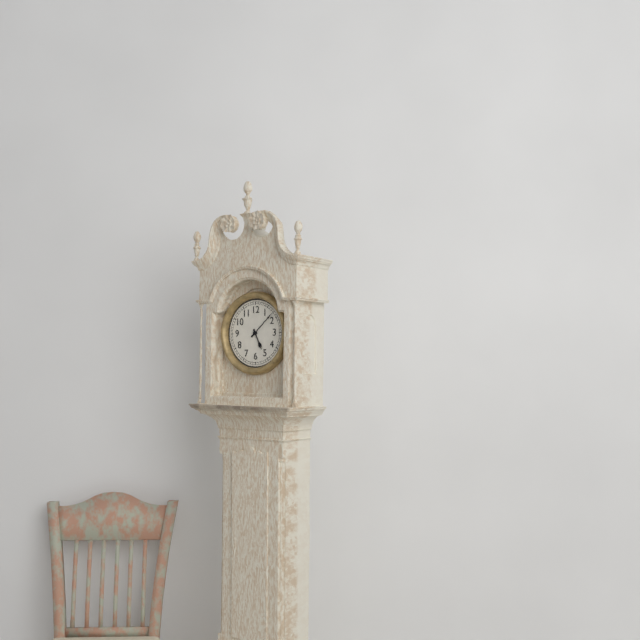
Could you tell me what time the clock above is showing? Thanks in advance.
5:08
